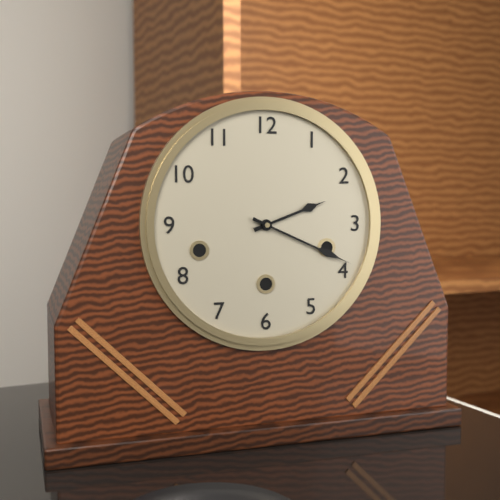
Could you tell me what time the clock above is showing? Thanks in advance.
2:19
